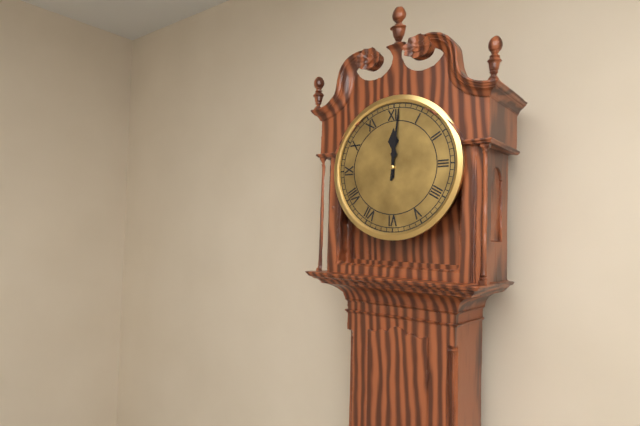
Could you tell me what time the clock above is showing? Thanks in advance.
12:01
